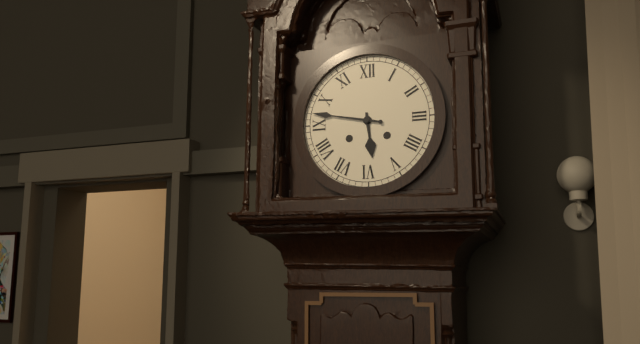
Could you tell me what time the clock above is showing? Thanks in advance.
5:47
